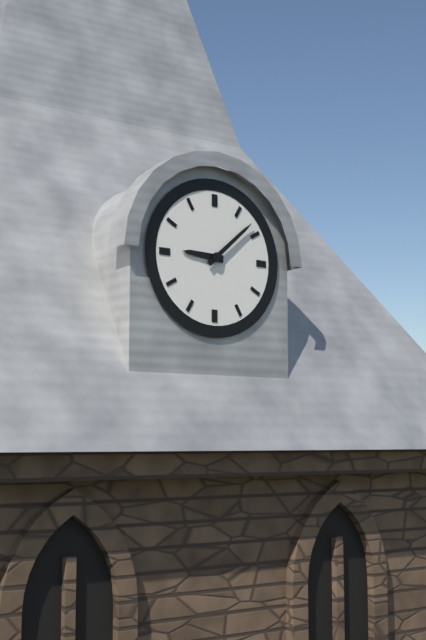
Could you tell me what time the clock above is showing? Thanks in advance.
9:08
